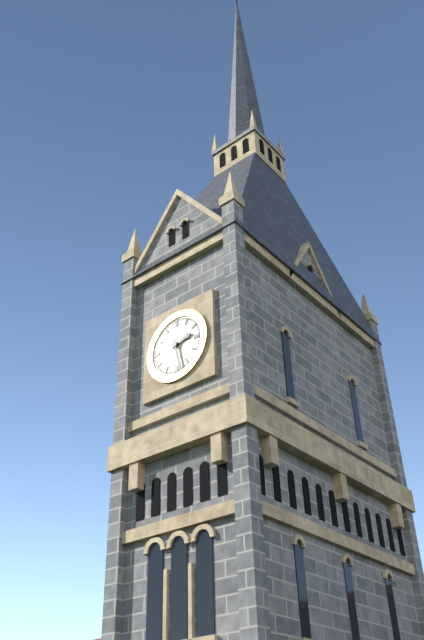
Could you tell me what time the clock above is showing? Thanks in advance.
2:28
